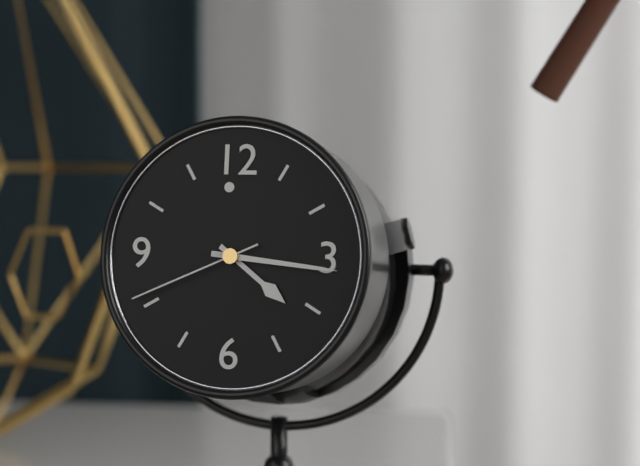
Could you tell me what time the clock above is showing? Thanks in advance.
4:16:41
